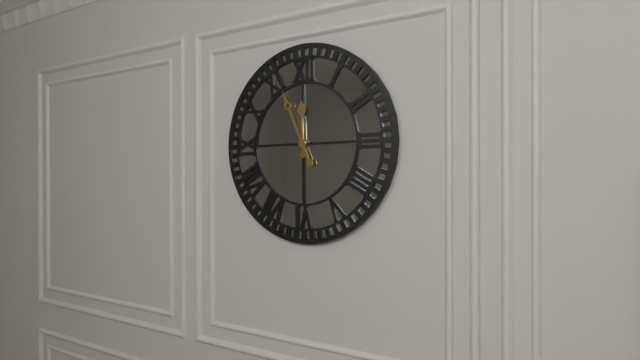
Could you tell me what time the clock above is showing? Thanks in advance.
11:56
